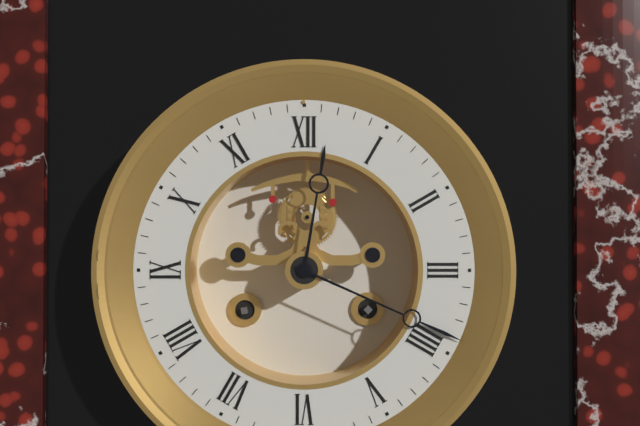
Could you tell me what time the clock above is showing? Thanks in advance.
12:19
